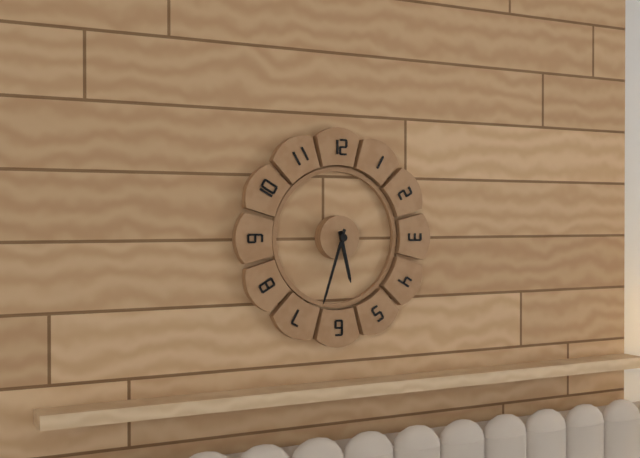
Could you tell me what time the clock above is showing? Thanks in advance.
5:33
